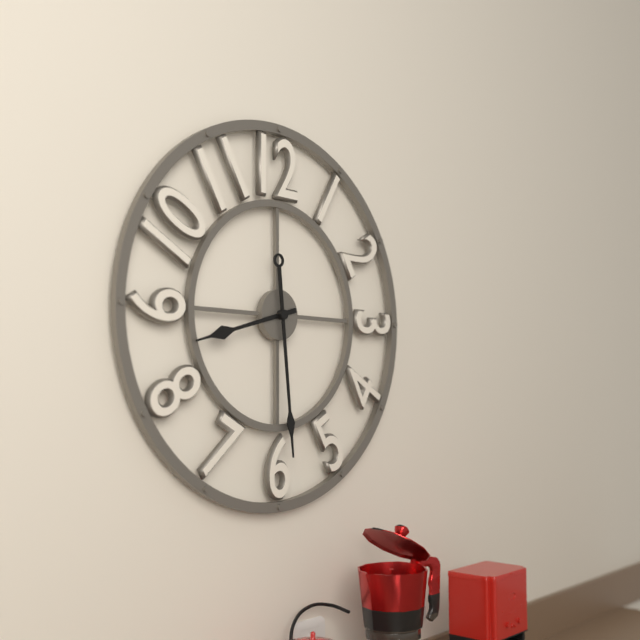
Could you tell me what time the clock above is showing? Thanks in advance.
8:29
